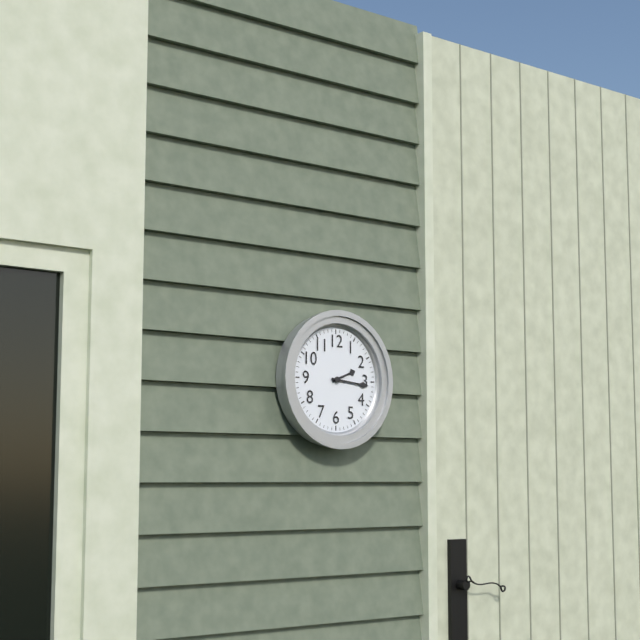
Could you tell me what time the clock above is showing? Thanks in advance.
2:16
